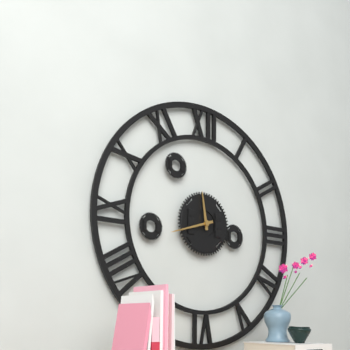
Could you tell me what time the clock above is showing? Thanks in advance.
11:42
